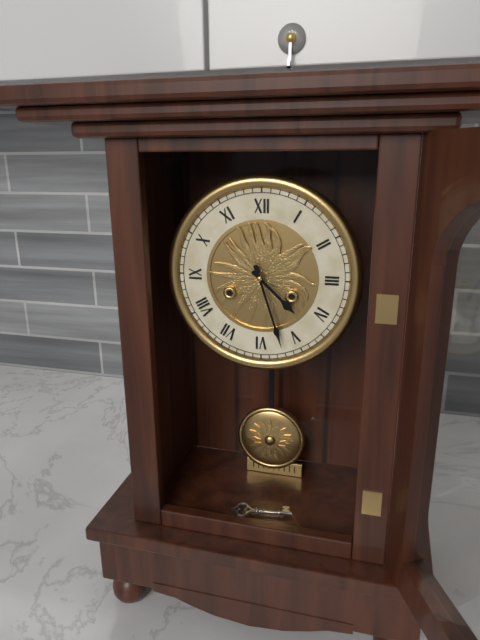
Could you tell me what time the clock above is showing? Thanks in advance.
4:27
